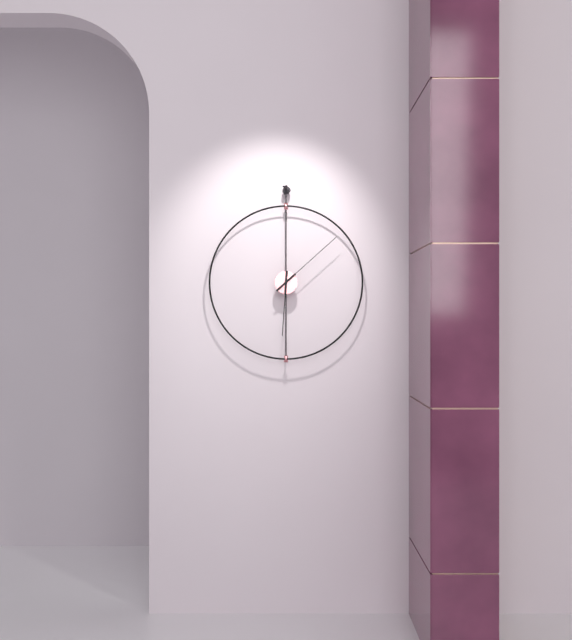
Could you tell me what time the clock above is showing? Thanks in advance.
6:08
